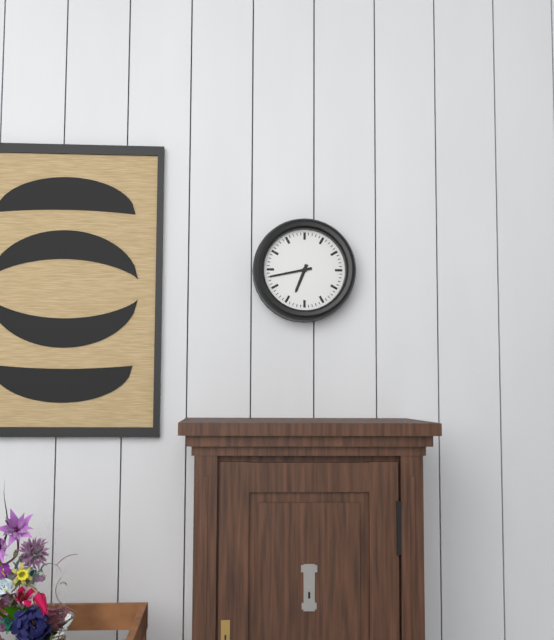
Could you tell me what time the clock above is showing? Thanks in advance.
6:43
